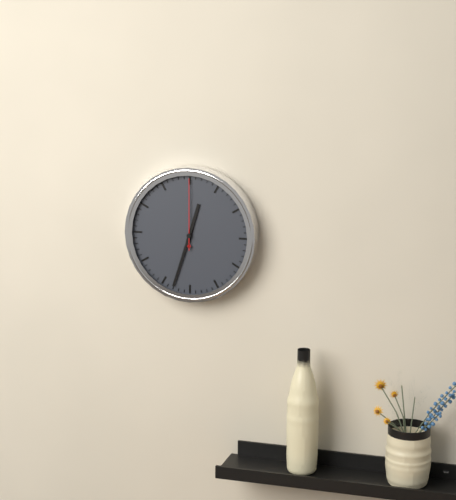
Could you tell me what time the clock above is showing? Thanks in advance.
12:33:00
